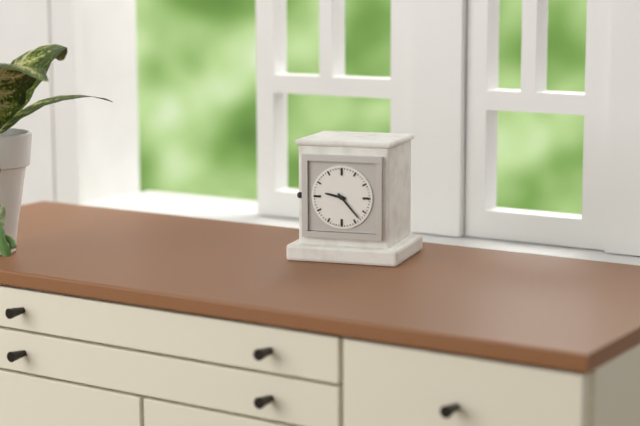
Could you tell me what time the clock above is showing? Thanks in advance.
9:23
